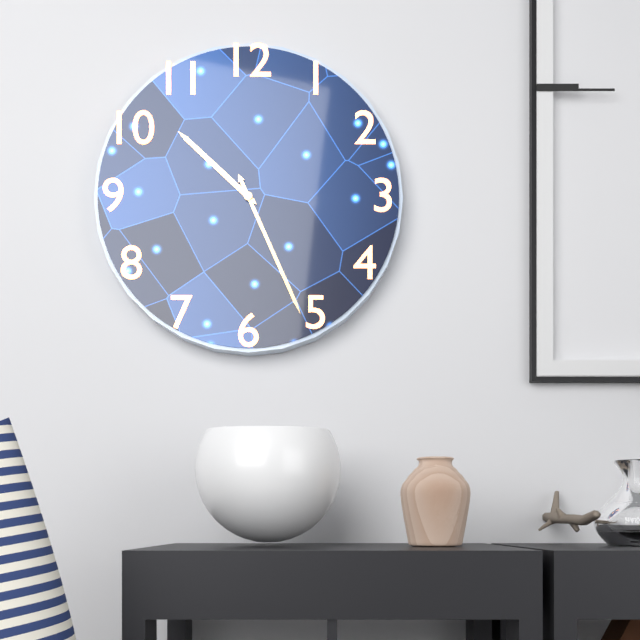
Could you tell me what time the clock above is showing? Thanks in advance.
10:26
